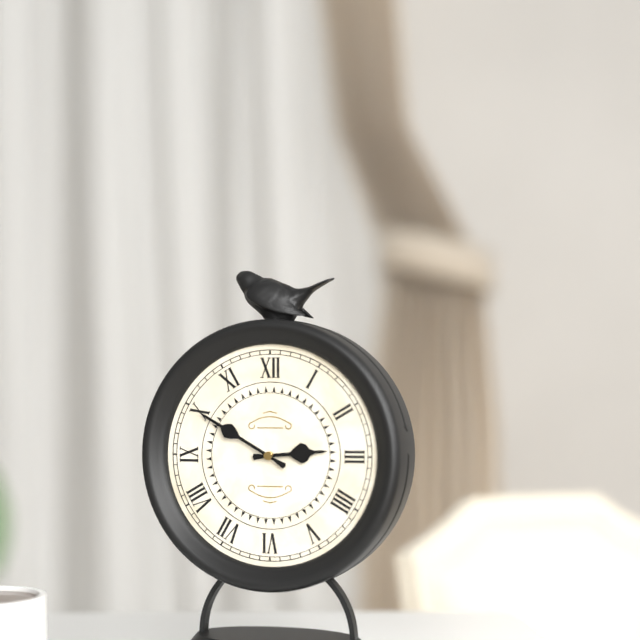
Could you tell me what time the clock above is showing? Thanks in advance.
2:50
